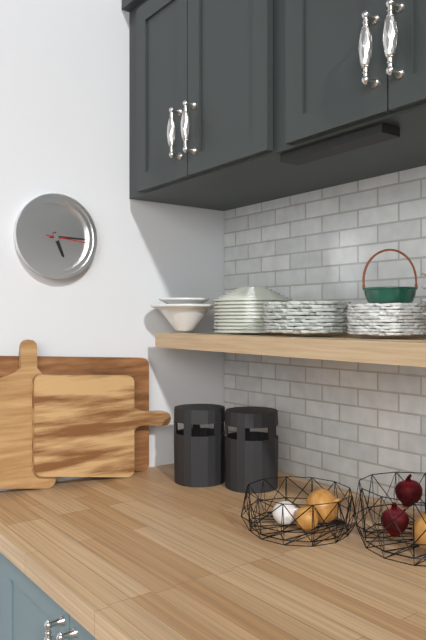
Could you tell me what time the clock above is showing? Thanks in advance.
5:15
